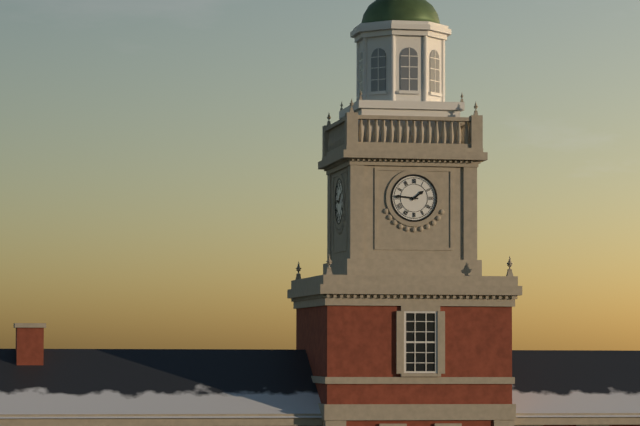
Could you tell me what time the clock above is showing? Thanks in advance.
1:46
